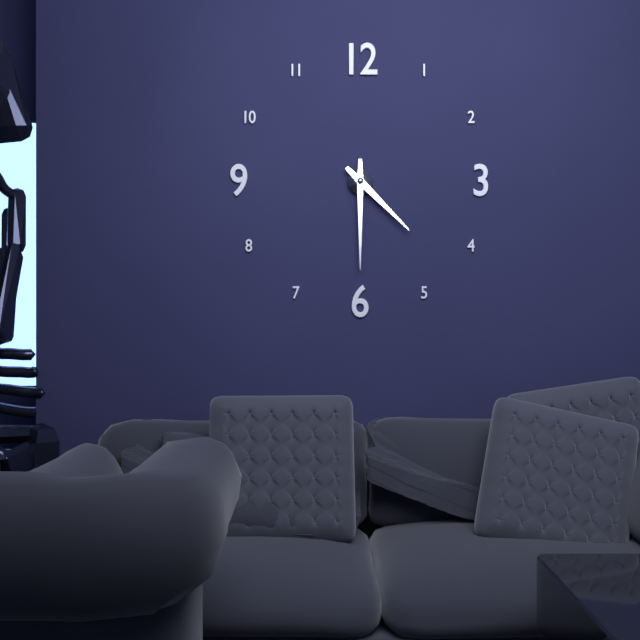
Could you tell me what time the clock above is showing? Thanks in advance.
4:30
